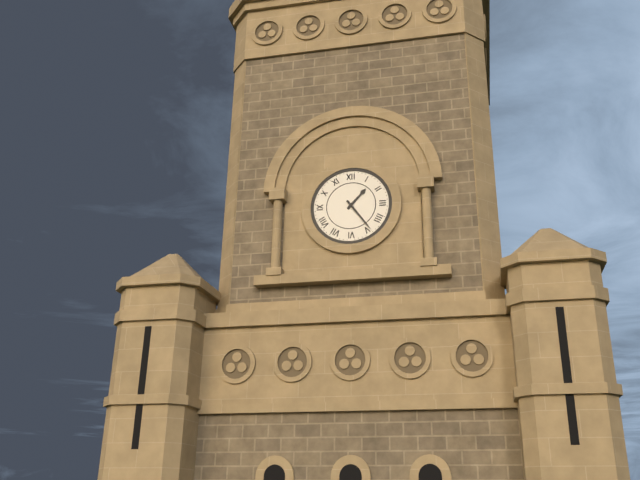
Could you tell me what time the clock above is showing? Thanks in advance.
1:24
